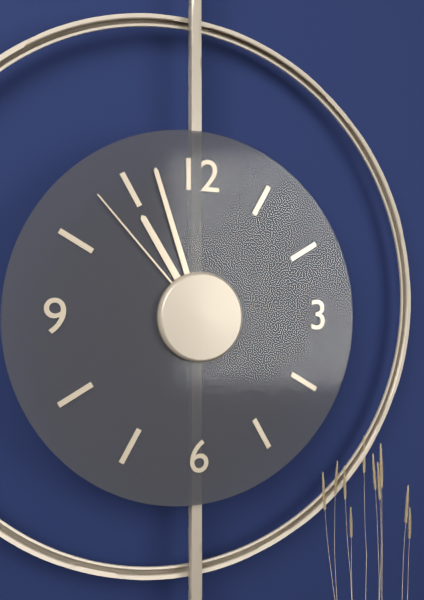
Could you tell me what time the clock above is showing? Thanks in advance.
10:57:53
